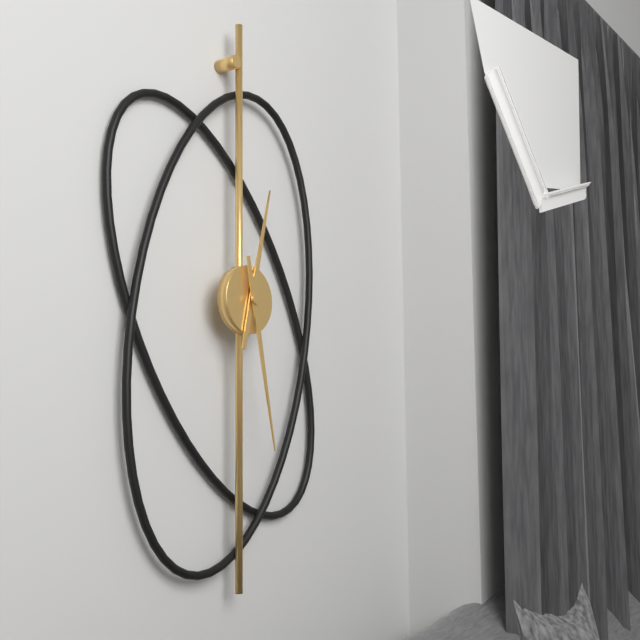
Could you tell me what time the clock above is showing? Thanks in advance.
12:28
